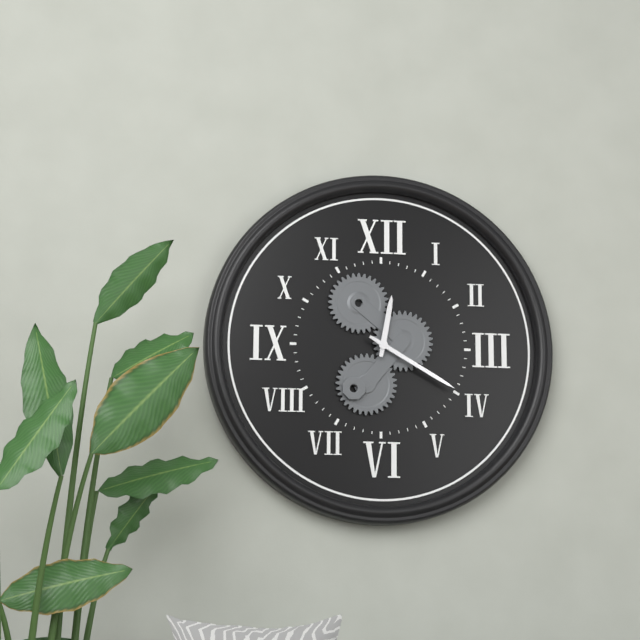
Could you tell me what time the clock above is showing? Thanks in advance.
12:20
